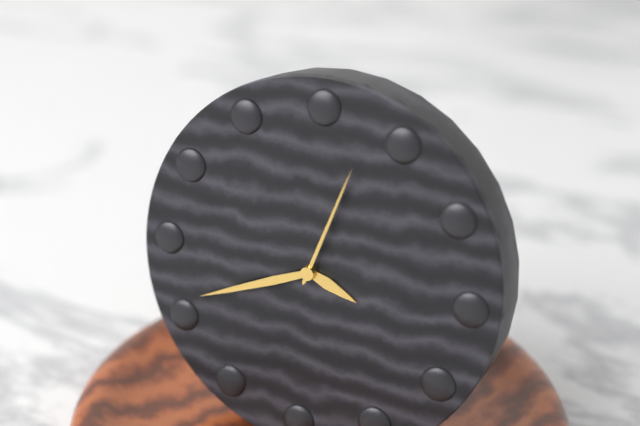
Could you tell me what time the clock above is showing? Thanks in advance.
3:41:03
